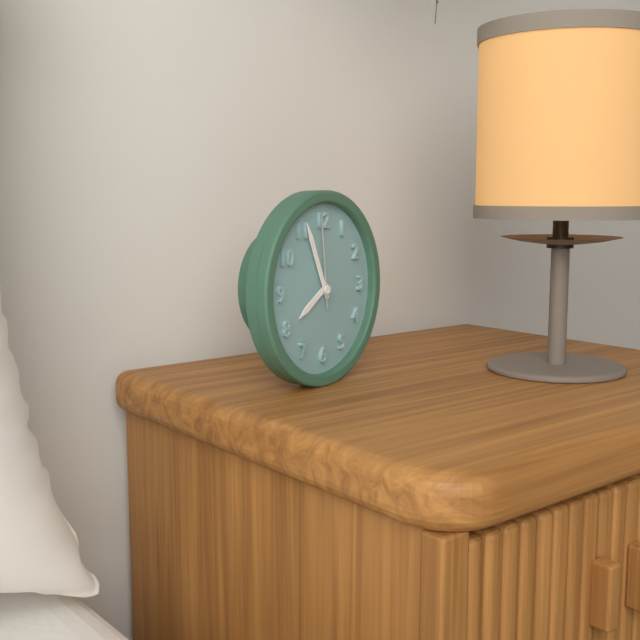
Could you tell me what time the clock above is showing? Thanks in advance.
7:56:59
